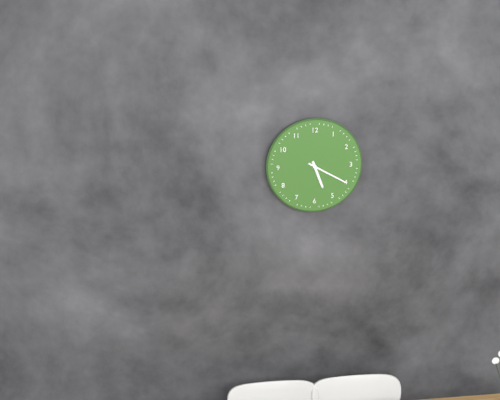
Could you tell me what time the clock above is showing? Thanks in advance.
5:20
